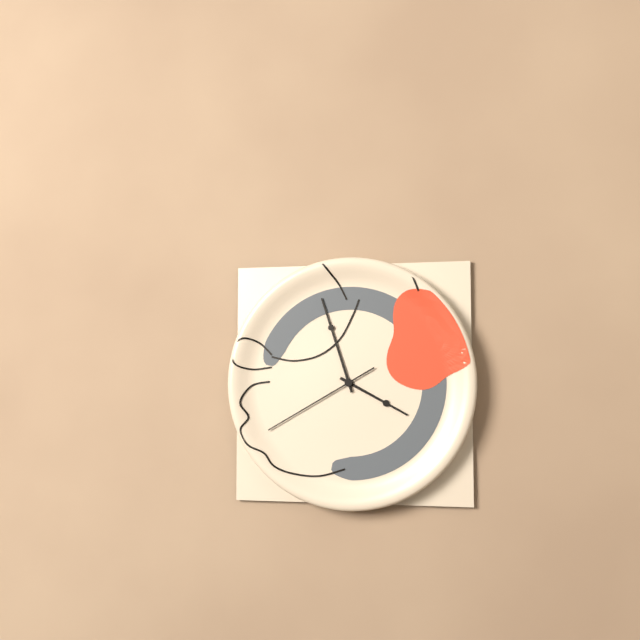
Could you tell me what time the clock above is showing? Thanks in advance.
3:57:40
